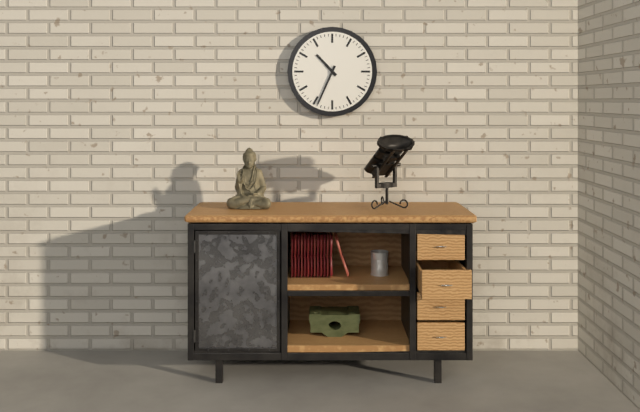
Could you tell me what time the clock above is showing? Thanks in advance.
10:34
